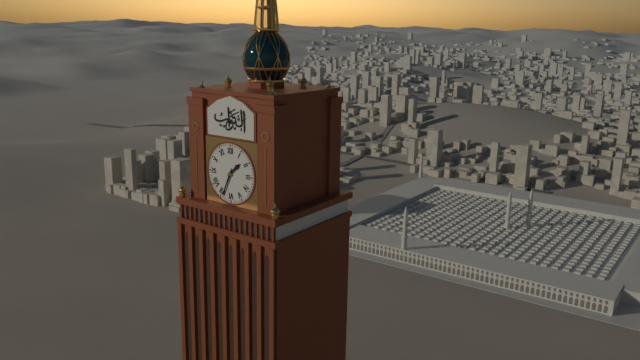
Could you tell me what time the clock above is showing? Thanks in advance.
1:34
